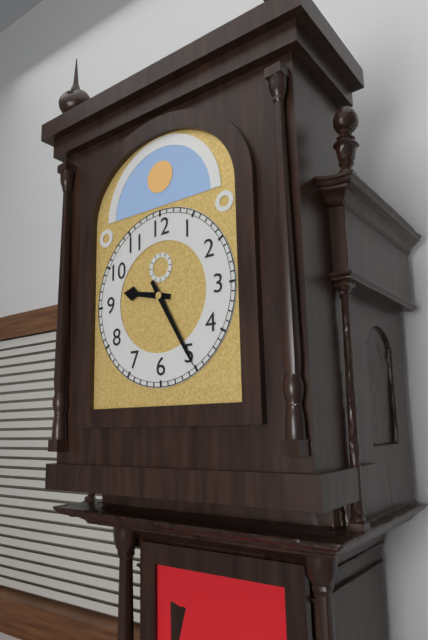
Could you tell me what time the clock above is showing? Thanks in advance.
9:25
